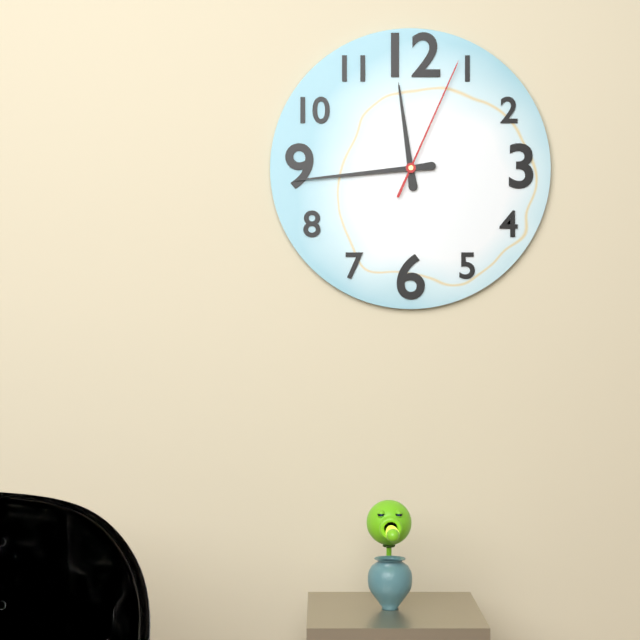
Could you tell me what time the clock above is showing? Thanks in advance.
11:44:04
